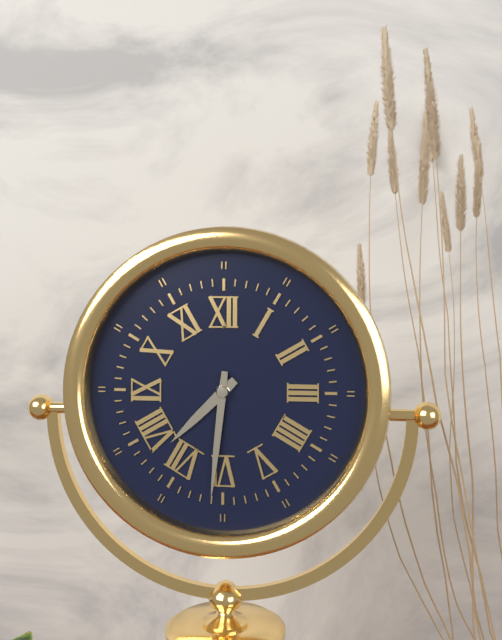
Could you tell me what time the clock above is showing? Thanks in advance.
7:31
